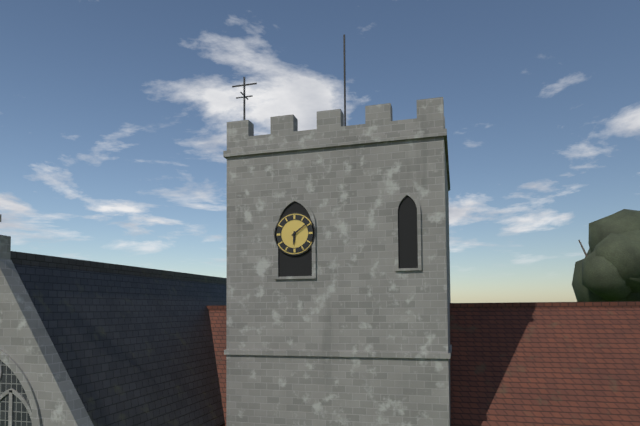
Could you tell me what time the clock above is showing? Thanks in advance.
6:09
